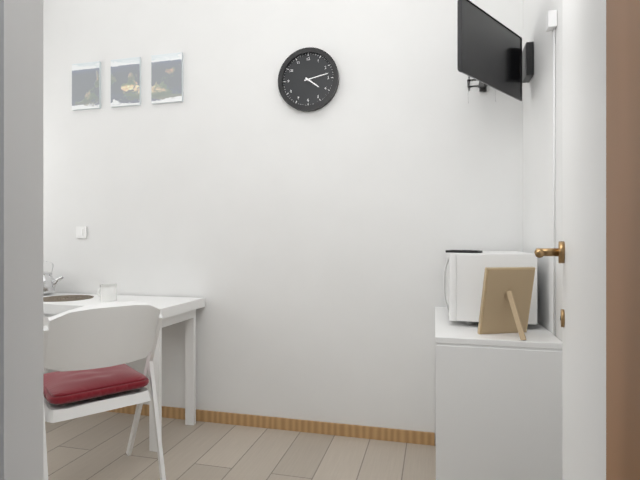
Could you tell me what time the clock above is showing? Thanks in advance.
4:13
